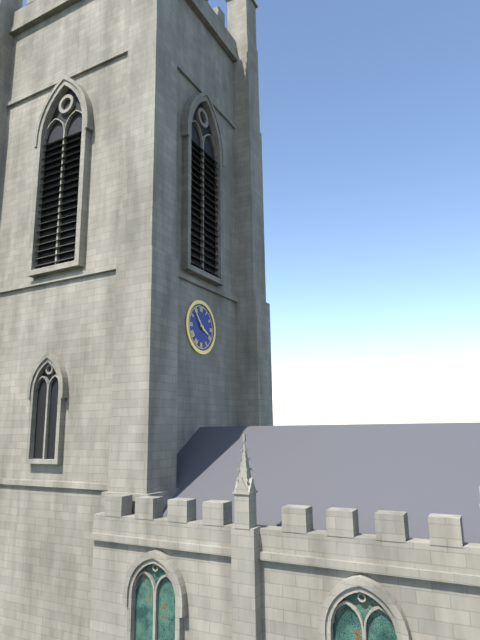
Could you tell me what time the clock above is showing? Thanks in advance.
3:53
